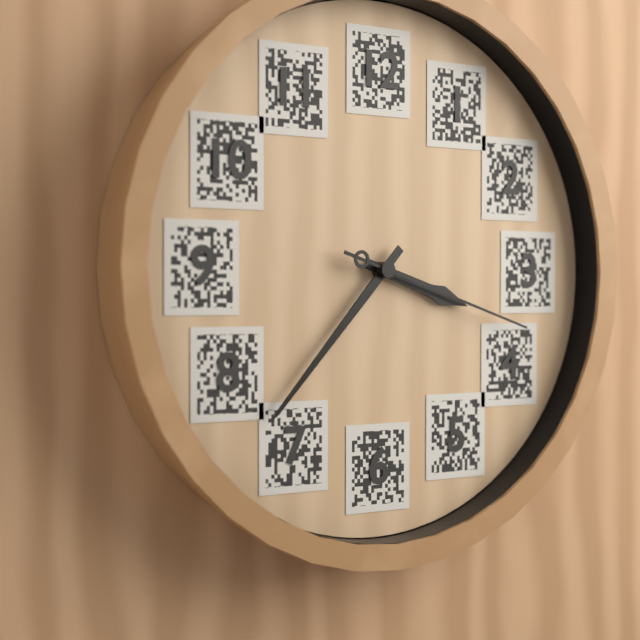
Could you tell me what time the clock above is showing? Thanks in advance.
3:37:18
